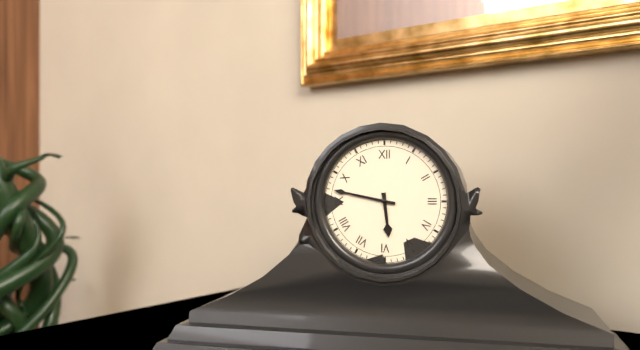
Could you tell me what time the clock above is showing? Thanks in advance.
5:47
